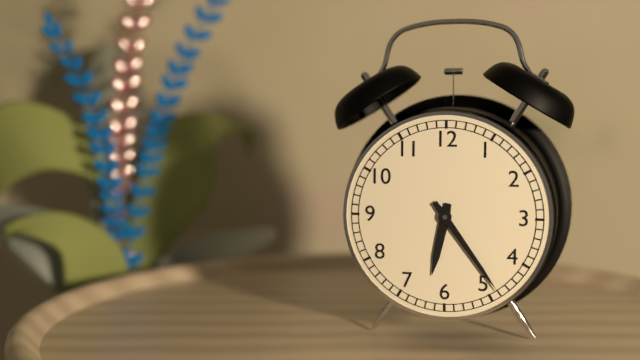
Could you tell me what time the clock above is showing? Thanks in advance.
6:24
